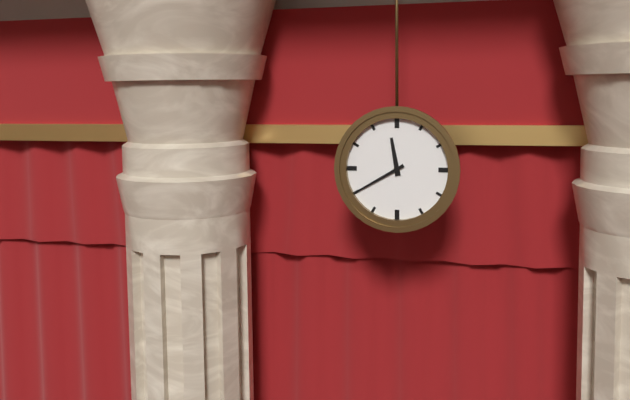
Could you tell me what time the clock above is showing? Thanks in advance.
11:40
